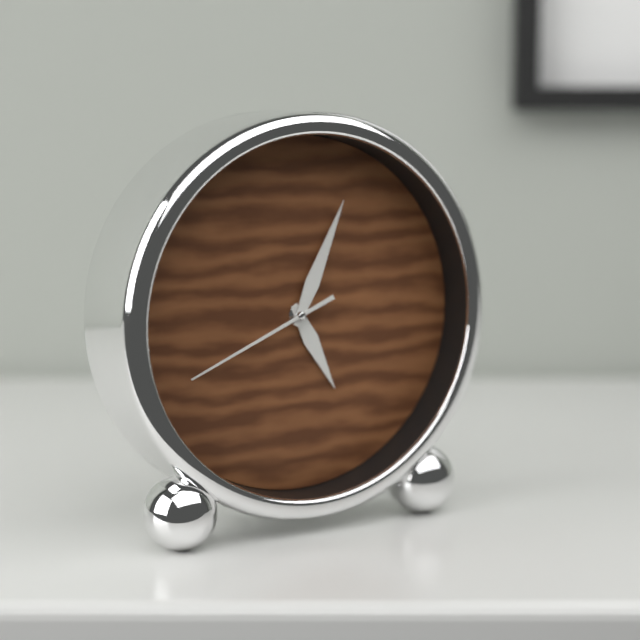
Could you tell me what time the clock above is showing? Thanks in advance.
5:04:41
